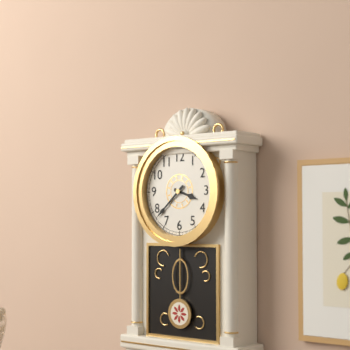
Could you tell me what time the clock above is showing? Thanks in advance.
3:38
